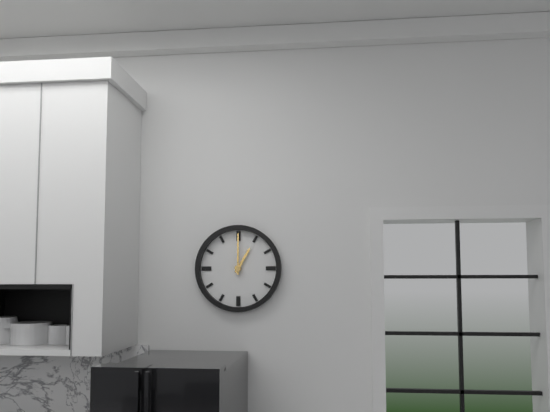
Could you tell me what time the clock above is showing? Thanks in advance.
1:00
